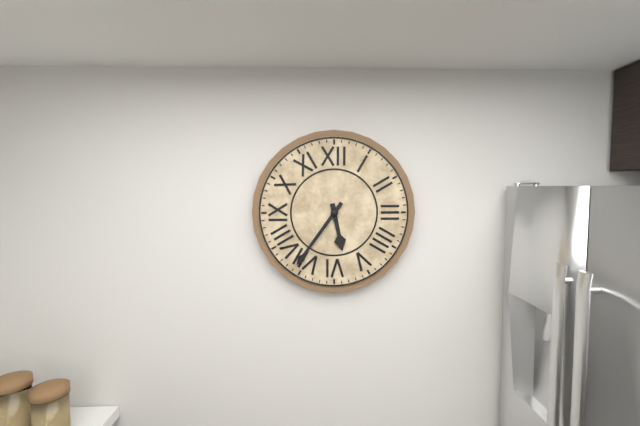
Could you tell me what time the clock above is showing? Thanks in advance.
5:36
